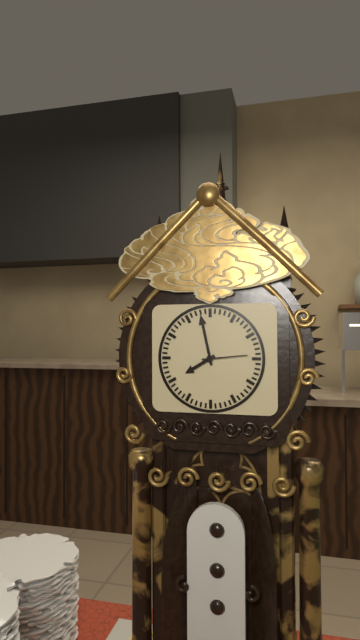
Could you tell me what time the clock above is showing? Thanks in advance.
7:58:14
